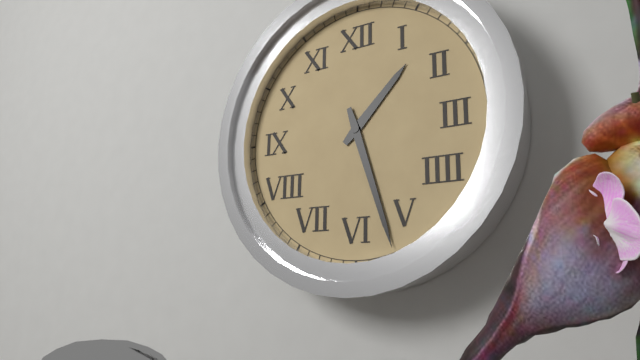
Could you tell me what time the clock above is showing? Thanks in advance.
1:27
